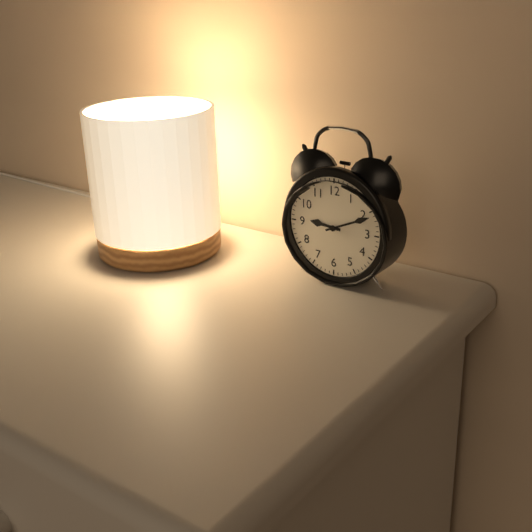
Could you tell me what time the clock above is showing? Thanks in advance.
9:11
